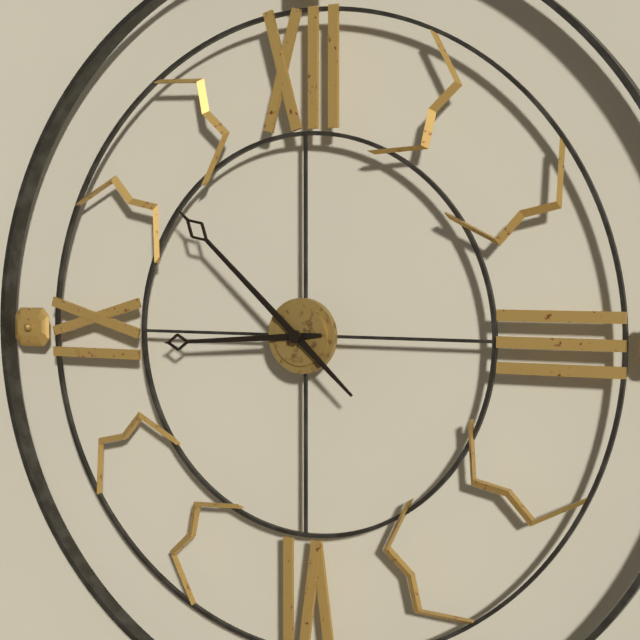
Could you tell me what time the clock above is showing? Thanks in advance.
8:52
